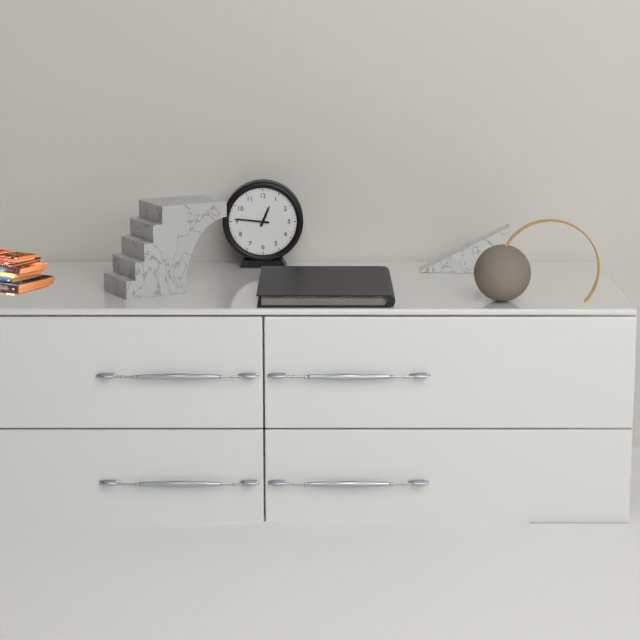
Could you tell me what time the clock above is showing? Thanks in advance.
12:46
